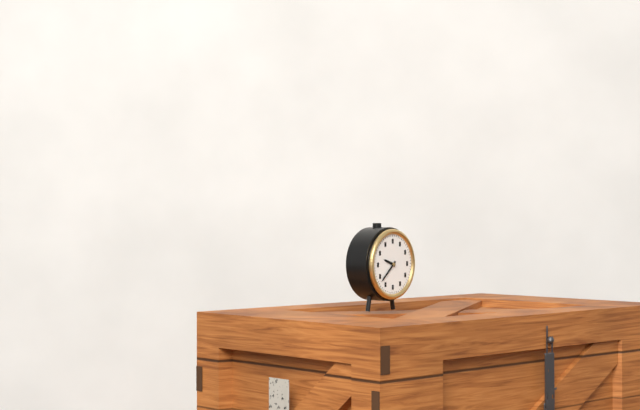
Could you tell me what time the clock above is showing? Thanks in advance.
9:38
